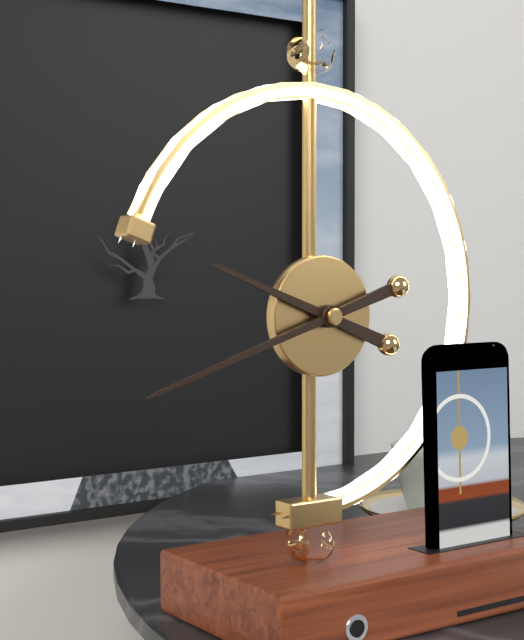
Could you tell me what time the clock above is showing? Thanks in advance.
9:42
